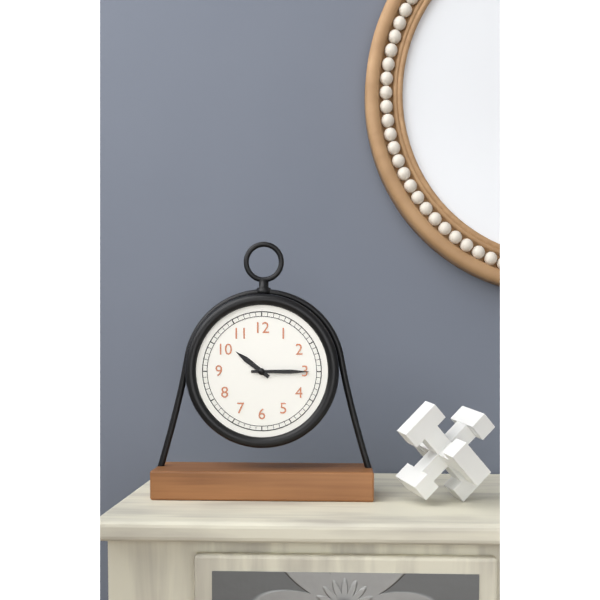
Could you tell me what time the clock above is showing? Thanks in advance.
10:15
